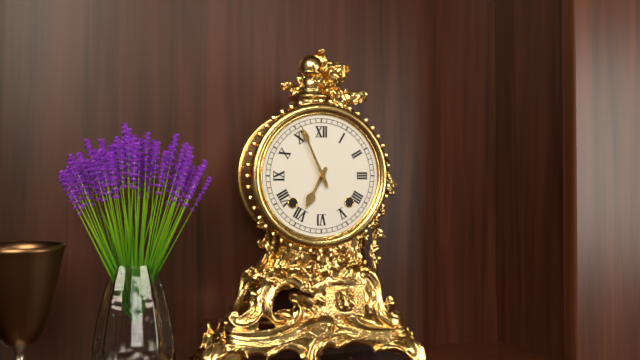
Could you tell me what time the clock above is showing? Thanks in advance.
6:56
